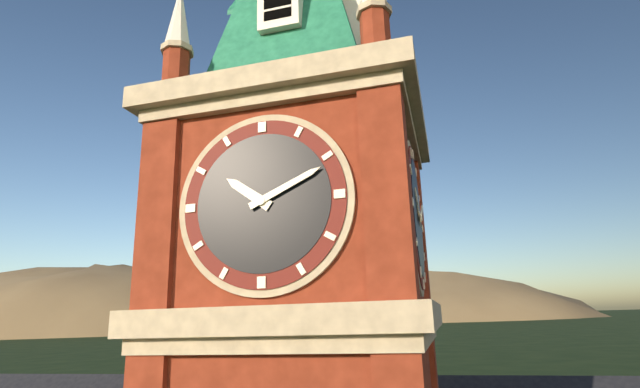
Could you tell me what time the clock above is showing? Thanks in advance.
10:11
